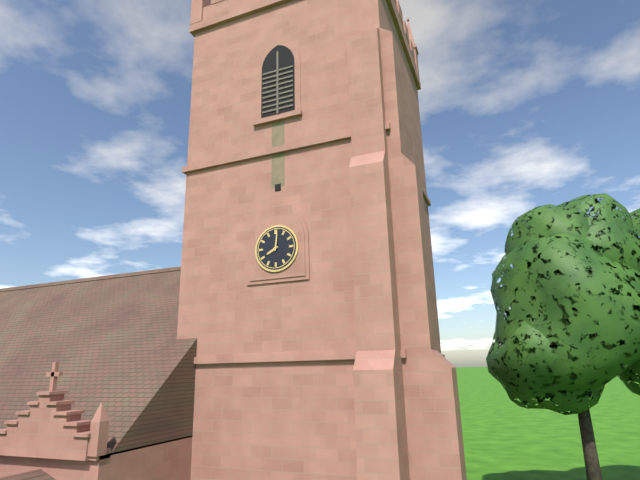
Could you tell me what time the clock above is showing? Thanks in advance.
8:01
